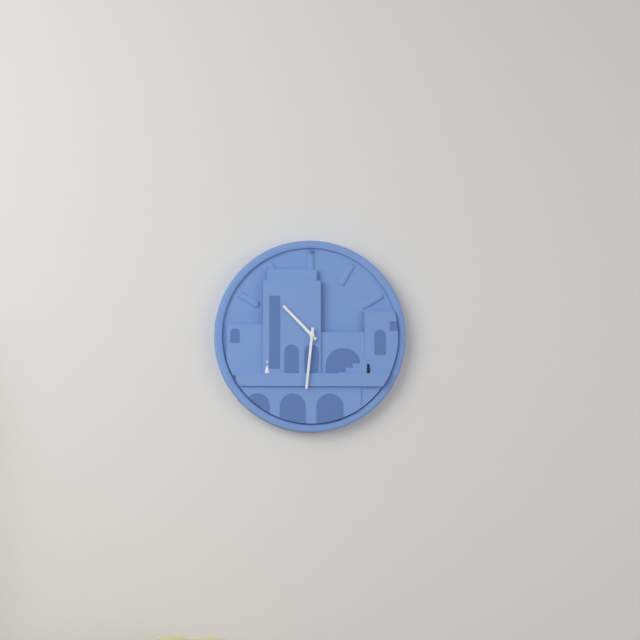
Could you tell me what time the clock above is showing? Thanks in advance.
10:31
